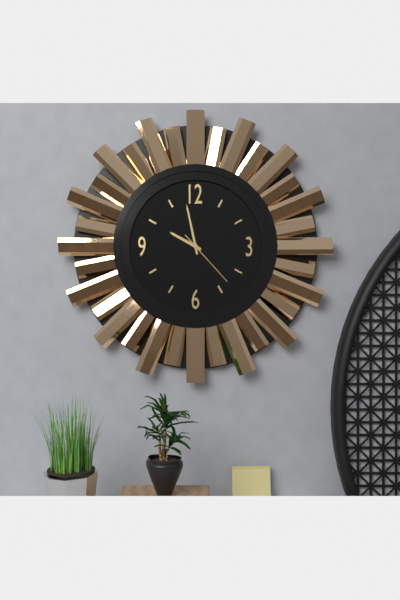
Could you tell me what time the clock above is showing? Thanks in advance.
9:58:23
